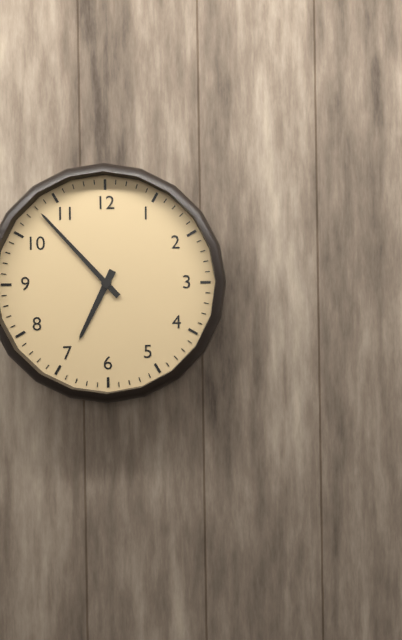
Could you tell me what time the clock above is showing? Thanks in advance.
6:53
